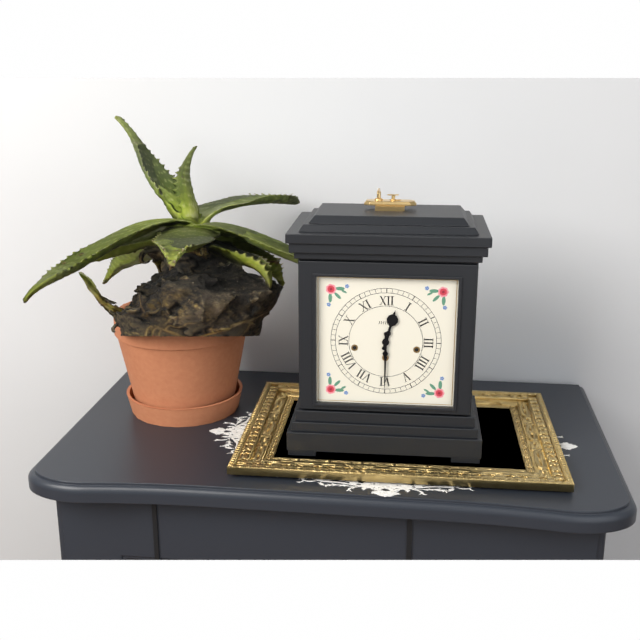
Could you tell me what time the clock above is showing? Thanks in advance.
12:30
